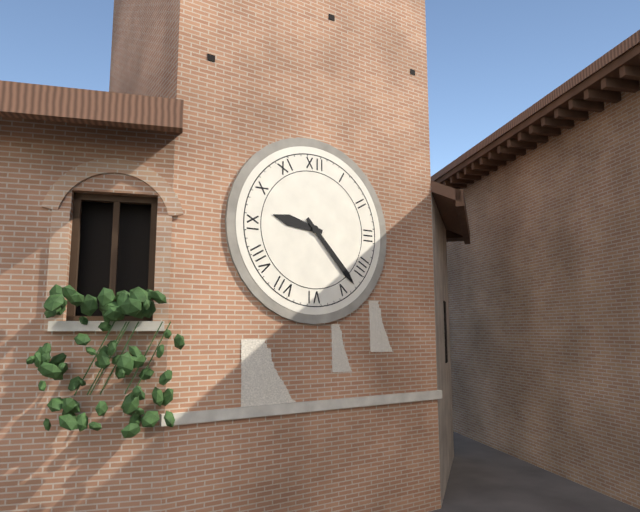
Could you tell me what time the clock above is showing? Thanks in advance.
9:23
